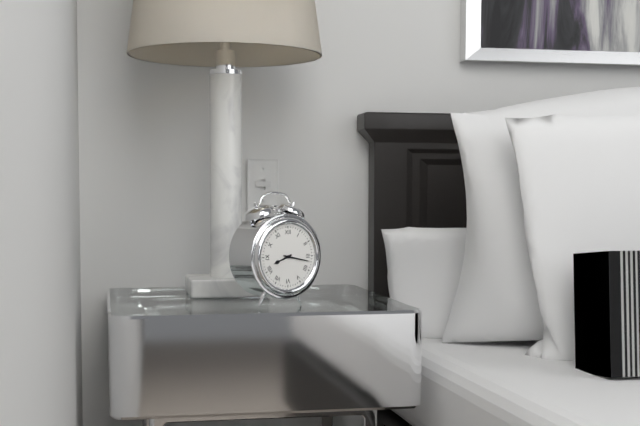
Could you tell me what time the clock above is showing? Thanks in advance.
8:17
